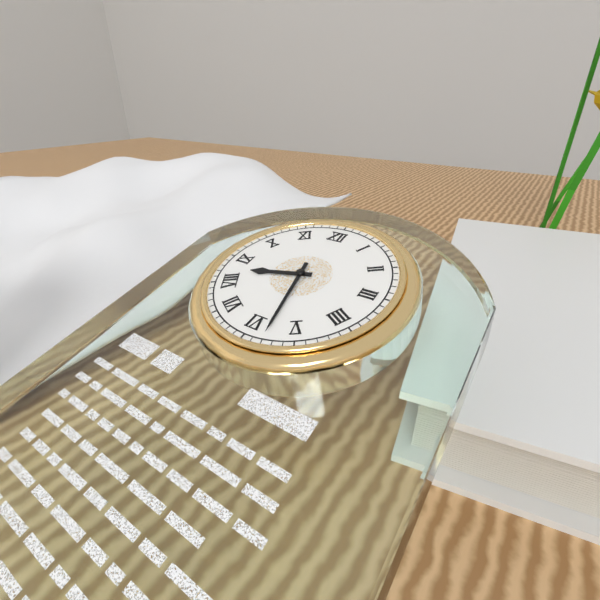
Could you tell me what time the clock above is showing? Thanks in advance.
8:28
